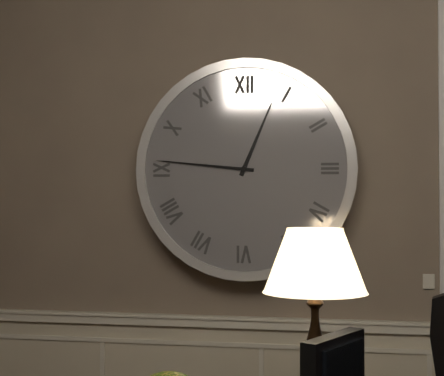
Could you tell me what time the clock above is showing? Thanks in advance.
12:46
